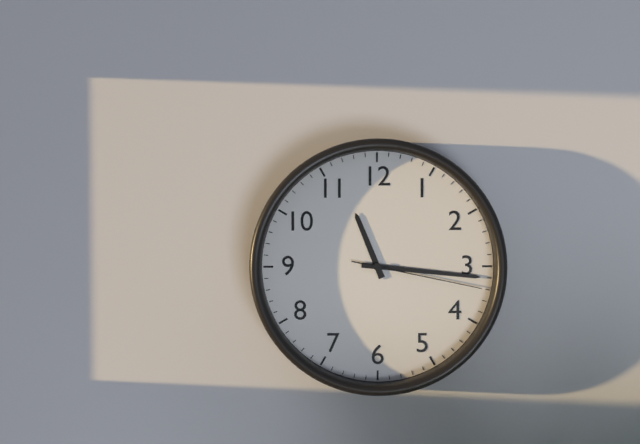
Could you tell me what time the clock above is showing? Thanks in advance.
11:16:17
